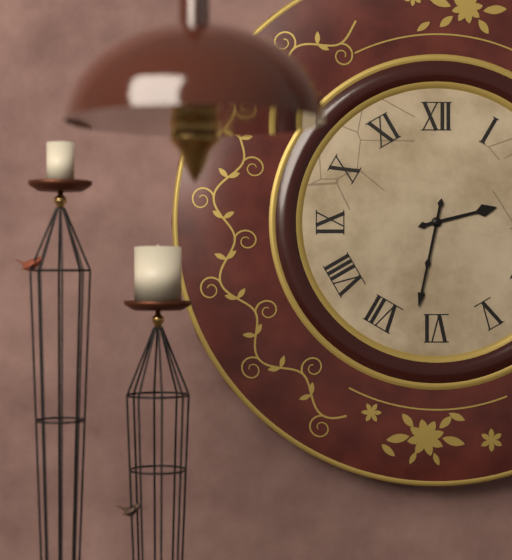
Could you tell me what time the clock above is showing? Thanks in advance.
2:32
